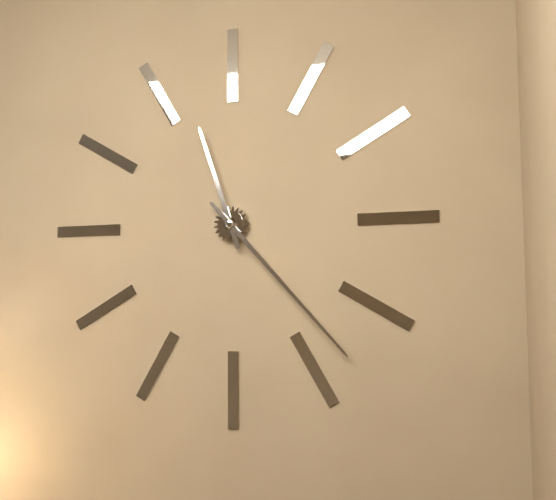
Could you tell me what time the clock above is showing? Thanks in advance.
11:23
